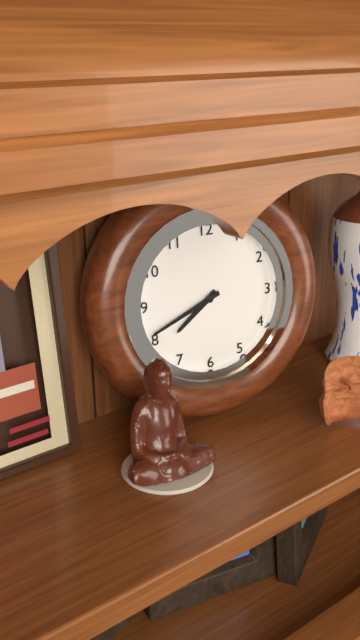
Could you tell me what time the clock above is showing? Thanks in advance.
7:41
